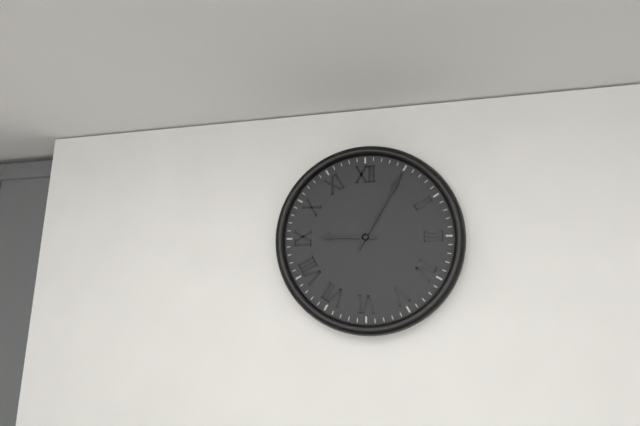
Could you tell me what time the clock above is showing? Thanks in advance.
9:05
